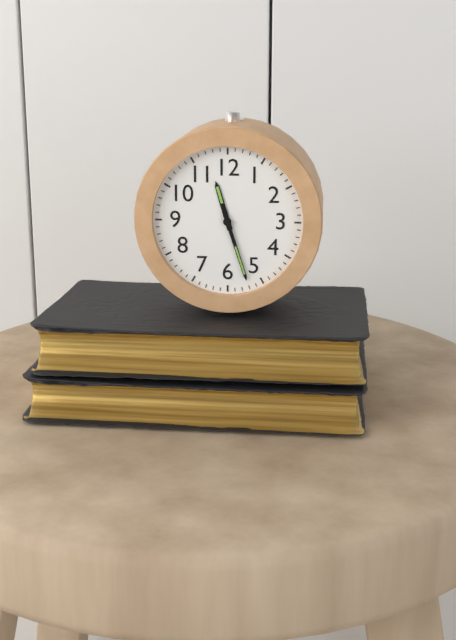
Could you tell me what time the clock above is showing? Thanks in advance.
11:27
